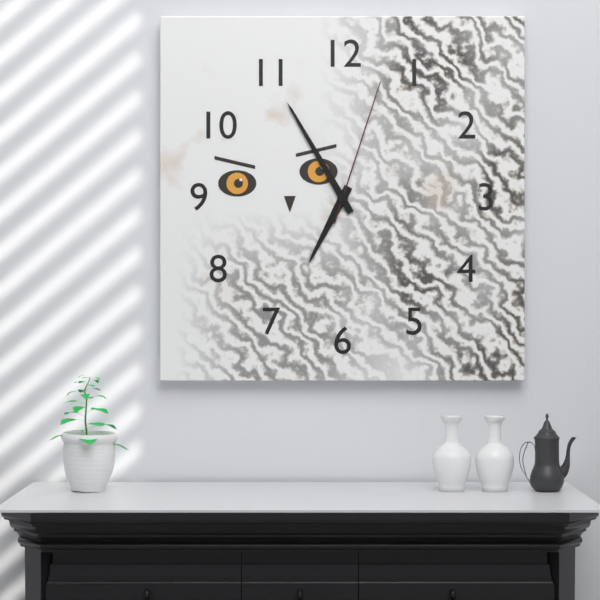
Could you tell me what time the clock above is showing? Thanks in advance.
6:55:03
